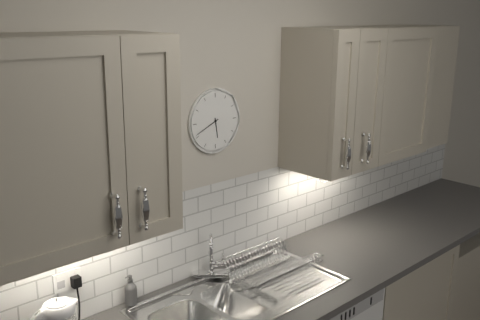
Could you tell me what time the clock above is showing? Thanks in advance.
5:41
